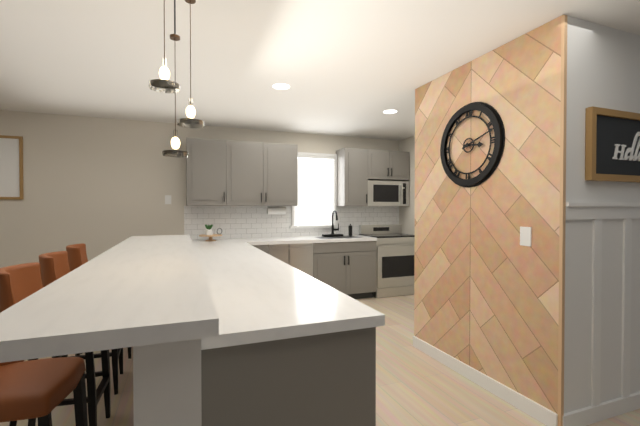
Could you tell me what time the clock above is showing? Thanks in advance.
3:12
